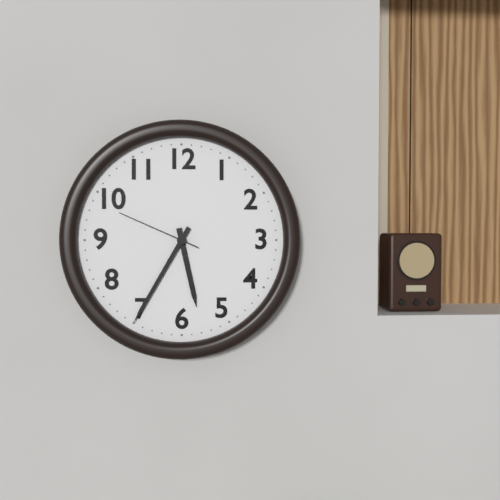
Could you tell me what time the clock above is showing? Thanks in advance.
5:35:49
